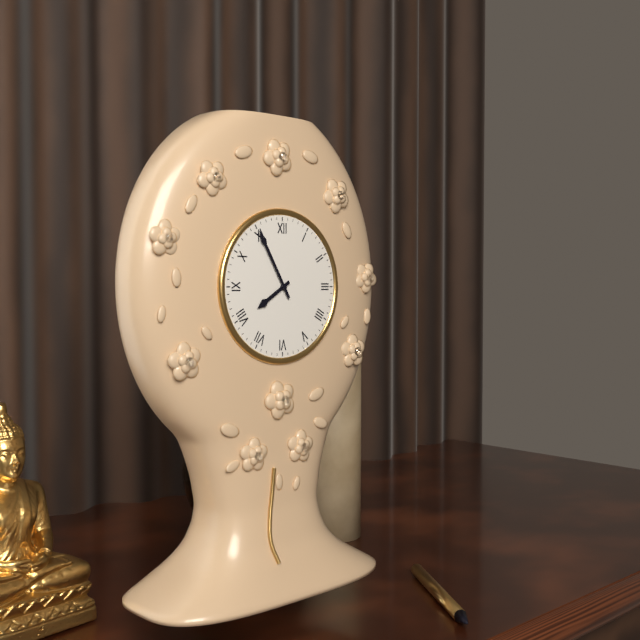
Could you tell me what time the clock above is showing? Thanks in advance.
7:55
